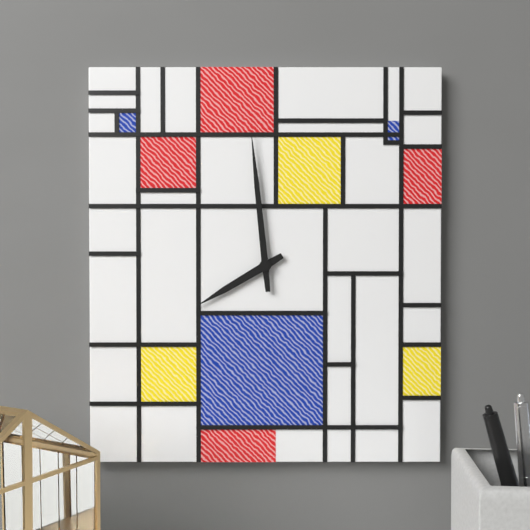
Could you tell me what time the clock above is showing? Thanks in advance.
7:59
